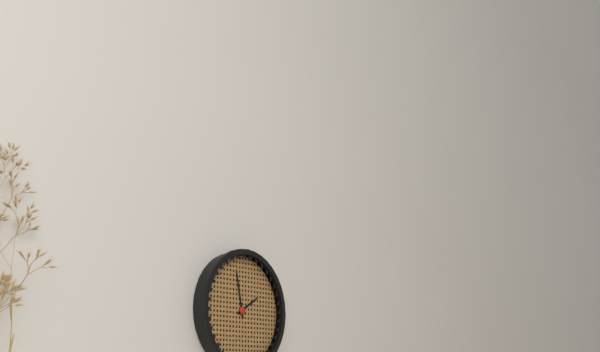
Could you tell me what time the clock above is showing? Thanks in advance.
1:58
